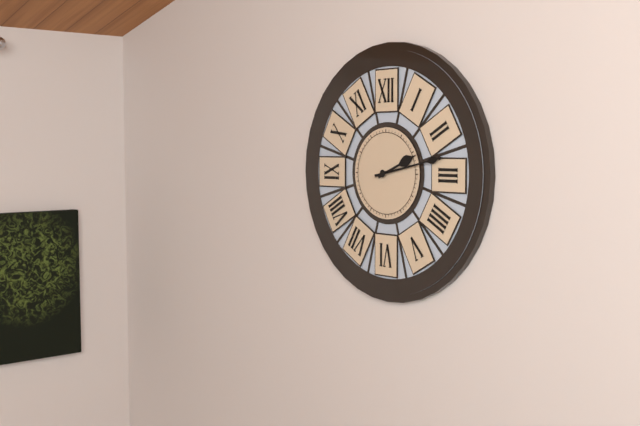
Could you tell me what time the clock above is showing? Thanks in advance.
2:13
